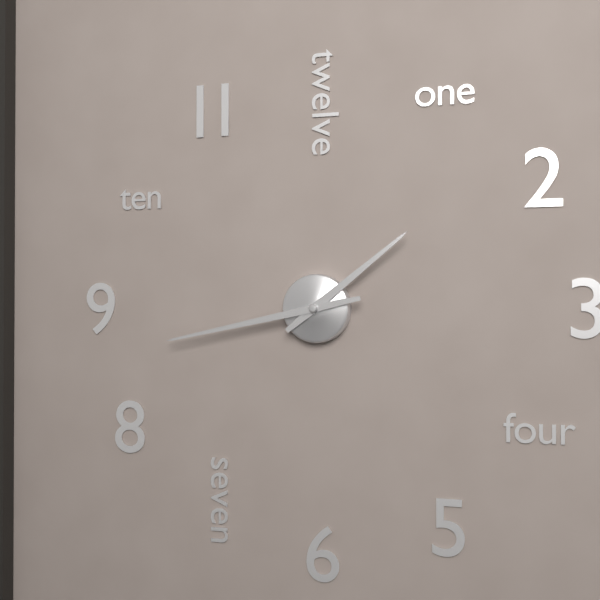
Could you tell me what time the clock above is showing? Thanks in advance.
1:43
